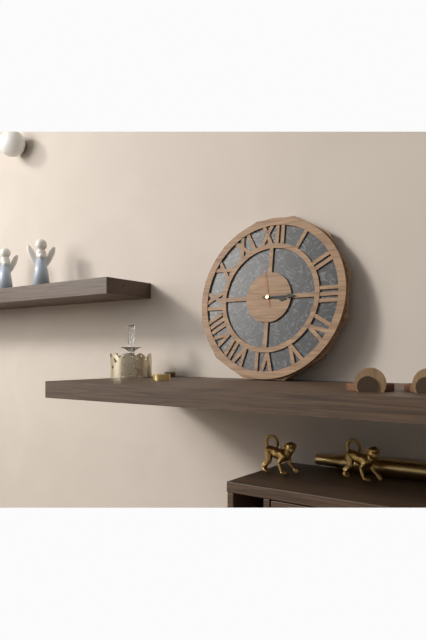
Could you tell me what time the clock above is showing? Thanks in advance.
3:15
